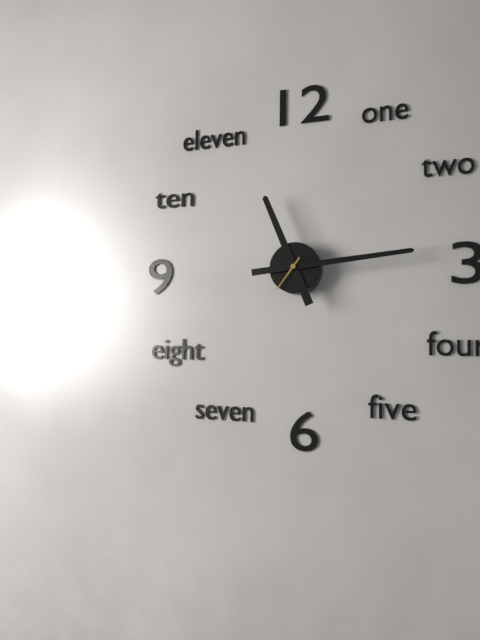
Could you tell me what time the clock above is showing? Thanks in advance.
11:14
